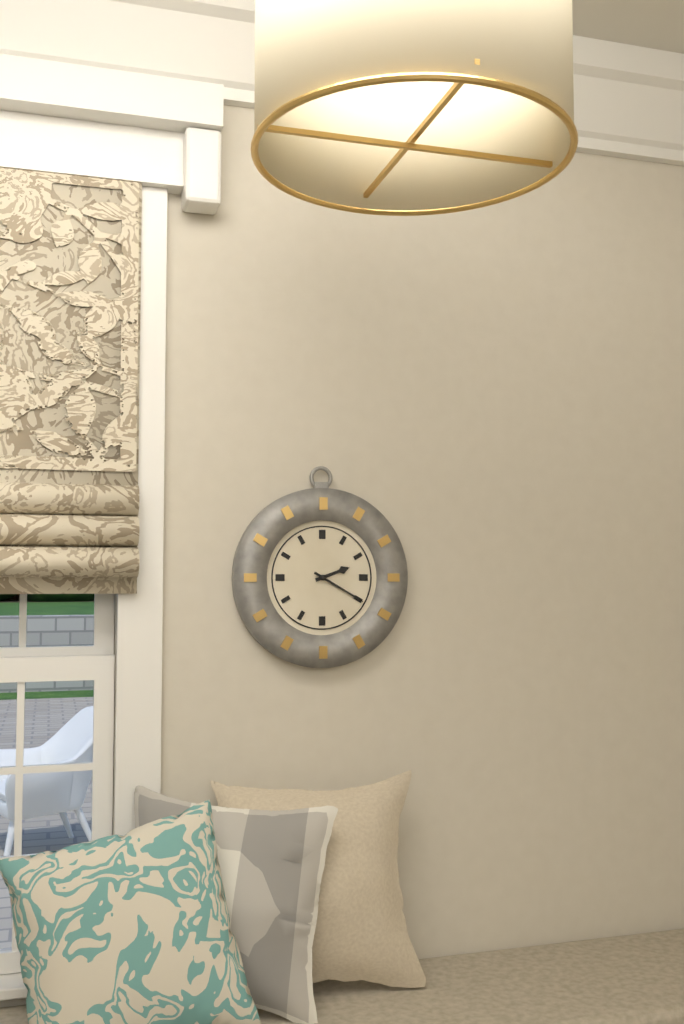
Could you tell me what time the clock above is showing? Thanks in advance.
2:20
